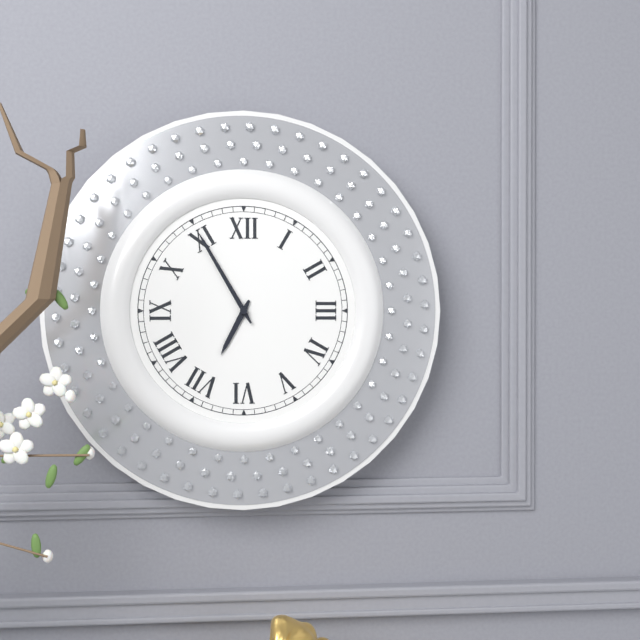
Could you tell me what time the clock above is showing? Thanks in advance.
6:55
